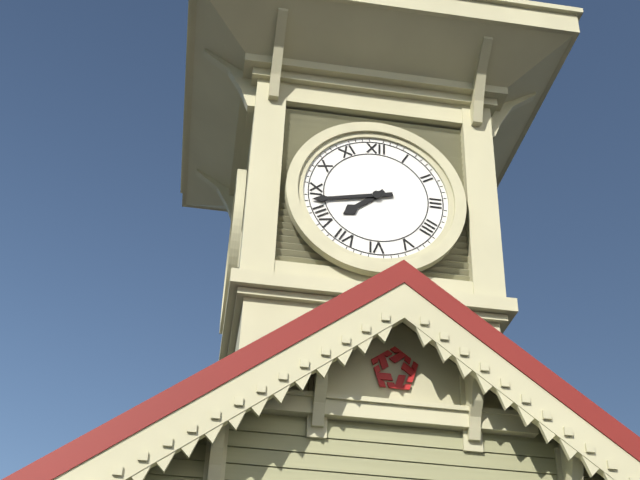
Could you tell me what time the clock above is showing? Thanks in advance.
7:43
